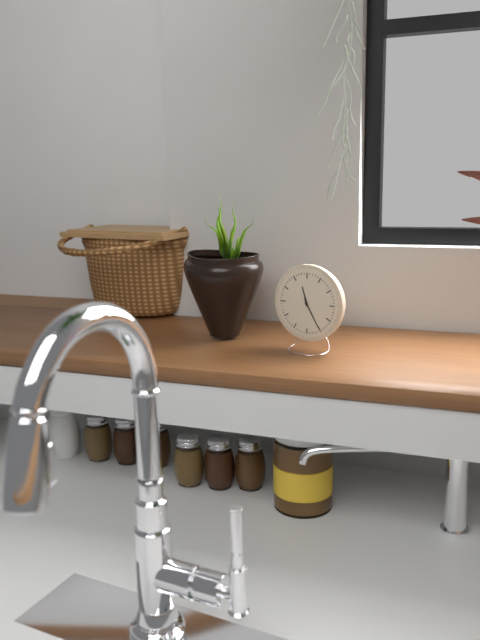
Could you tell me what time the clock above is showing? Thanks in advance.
11:25
